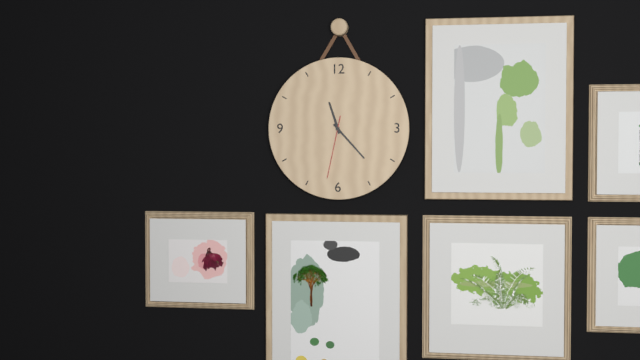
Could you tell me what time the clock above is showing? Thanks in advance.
11:23:32
